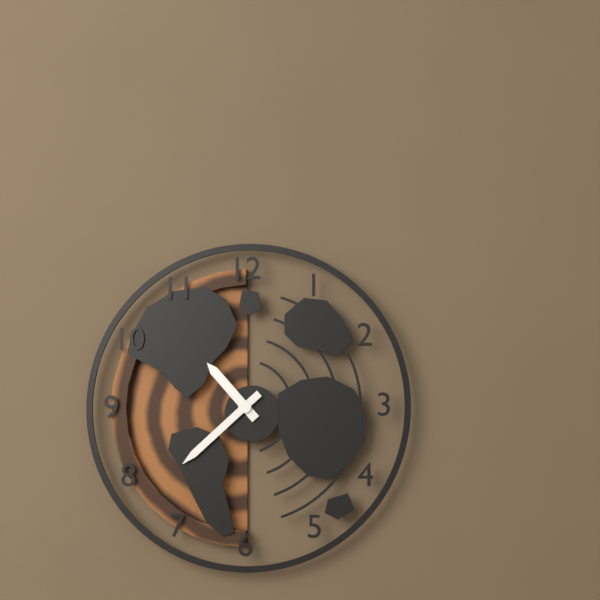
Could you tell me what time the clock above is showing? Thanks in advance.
10:38
